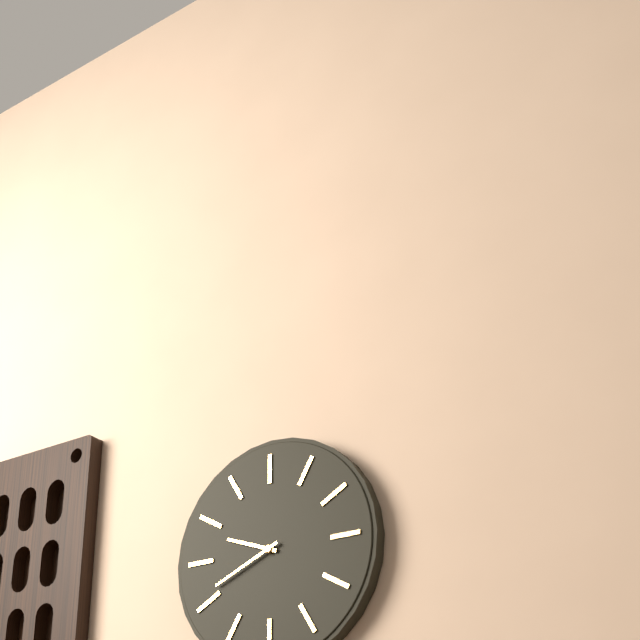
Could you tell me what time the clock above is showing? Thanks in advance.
9:41
